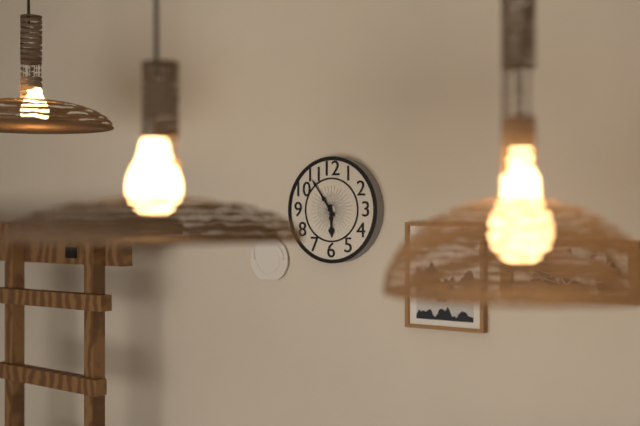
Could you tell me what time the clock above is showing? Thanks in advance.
5:54
